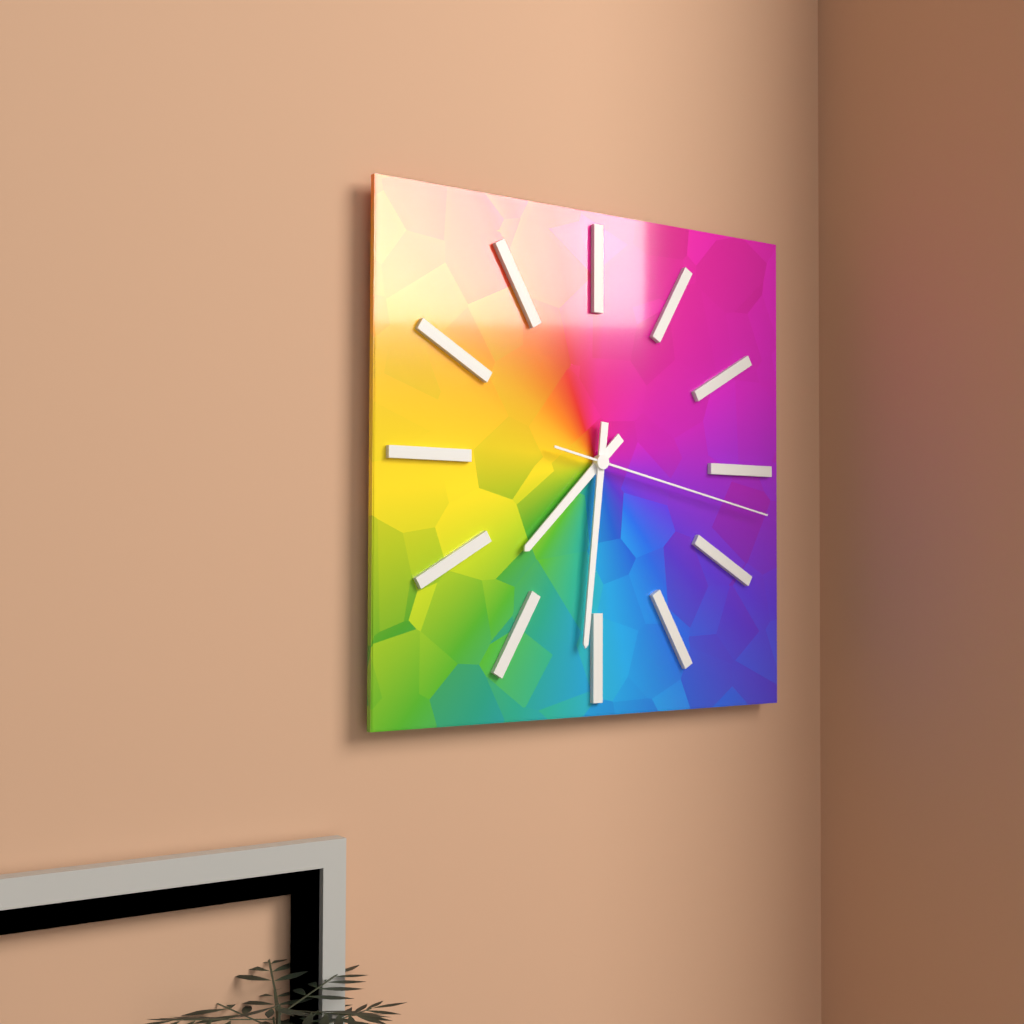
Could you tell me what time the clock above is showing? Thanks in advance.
7:31:17
